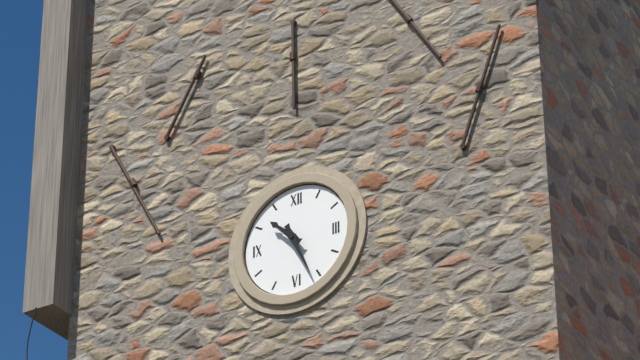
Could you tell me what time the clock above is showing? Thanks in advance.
10:26
